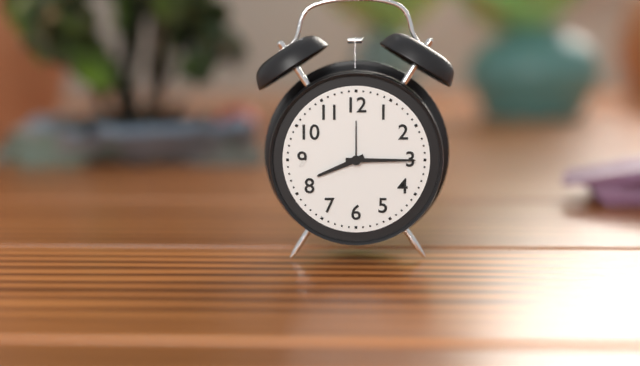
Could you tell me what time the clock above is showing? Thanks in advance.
8:15
